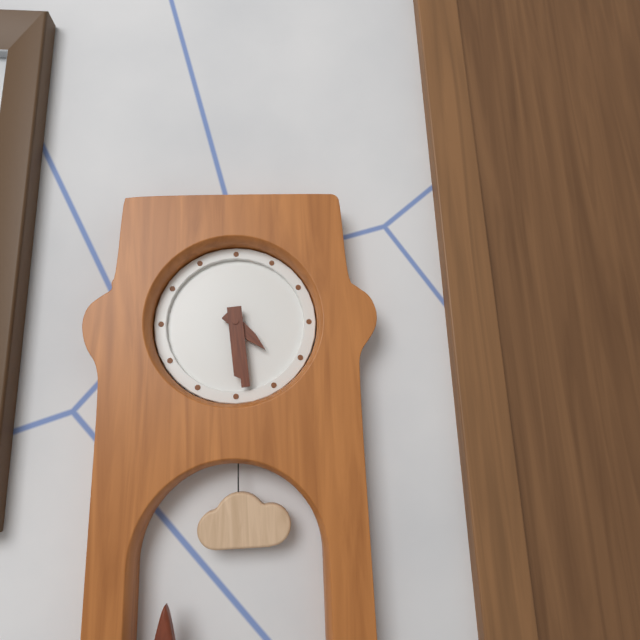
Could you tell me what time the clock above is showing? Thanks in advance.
4:29
